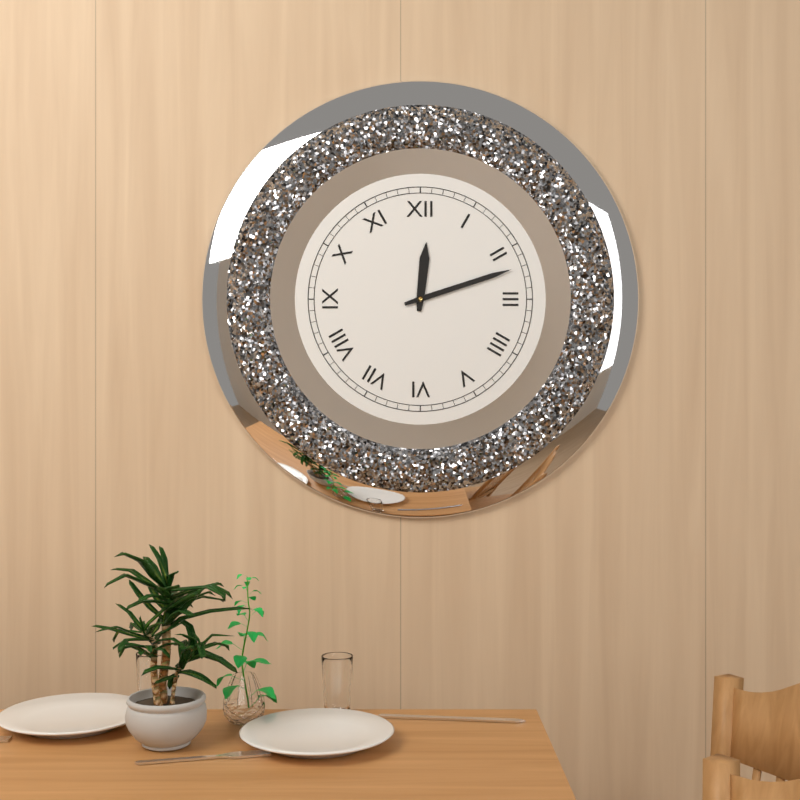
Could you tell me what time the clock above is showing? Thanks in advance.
12:12
